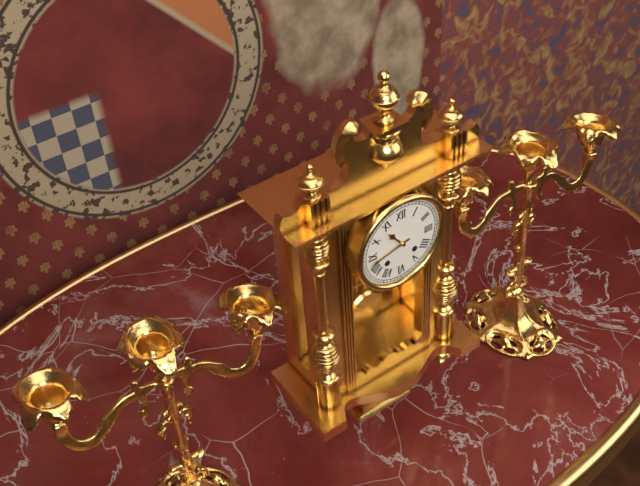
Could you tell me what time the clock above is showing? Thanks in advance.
10:43
